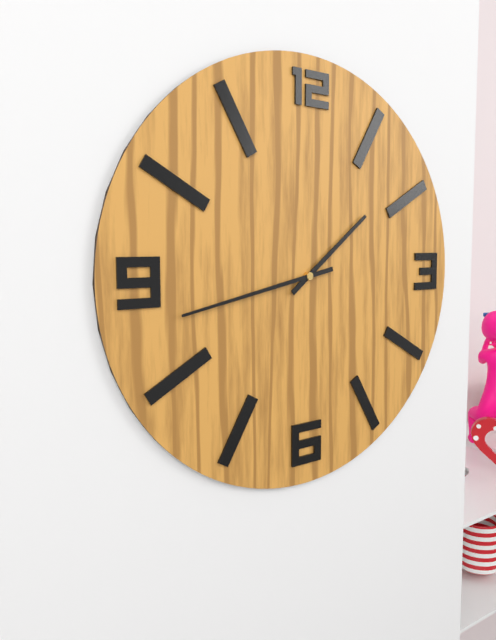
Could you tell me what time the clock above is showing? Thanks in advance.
1:43
